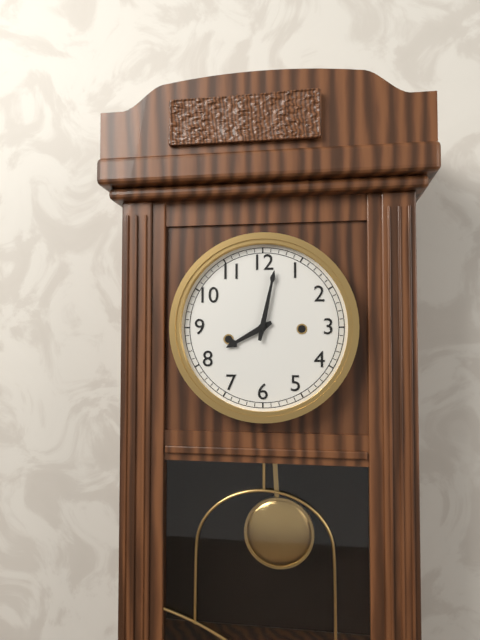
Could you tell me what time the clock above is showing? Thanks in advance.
8:02
